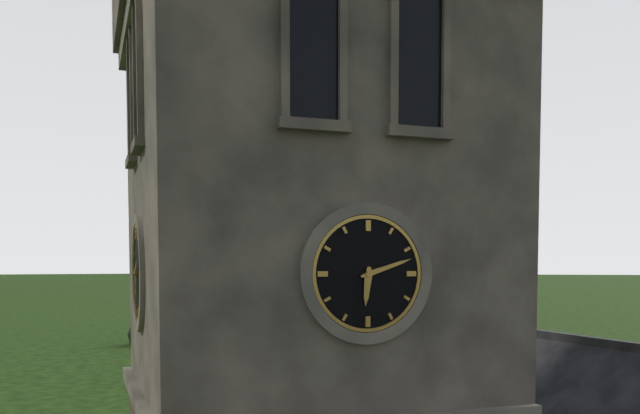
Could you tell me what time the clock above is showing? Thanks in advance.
6:12
